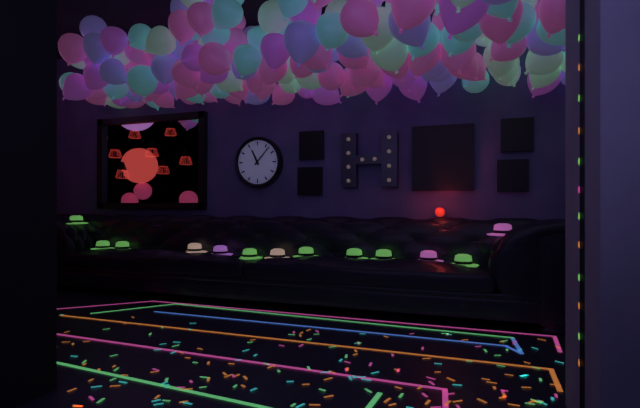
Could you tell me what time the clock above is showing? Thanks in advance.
11:07
